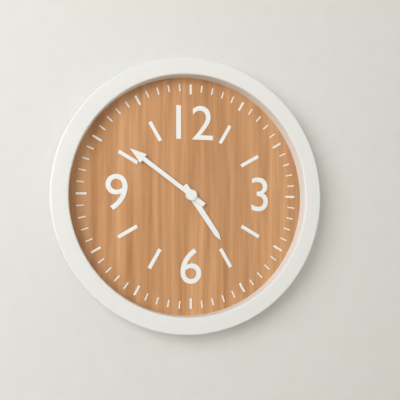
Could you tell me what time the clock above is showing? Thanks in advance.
4:51
